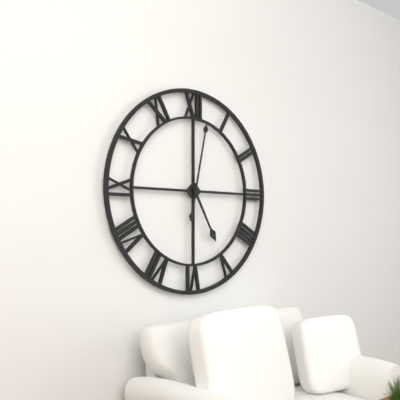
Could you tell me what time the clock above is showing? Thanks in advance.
5:02
